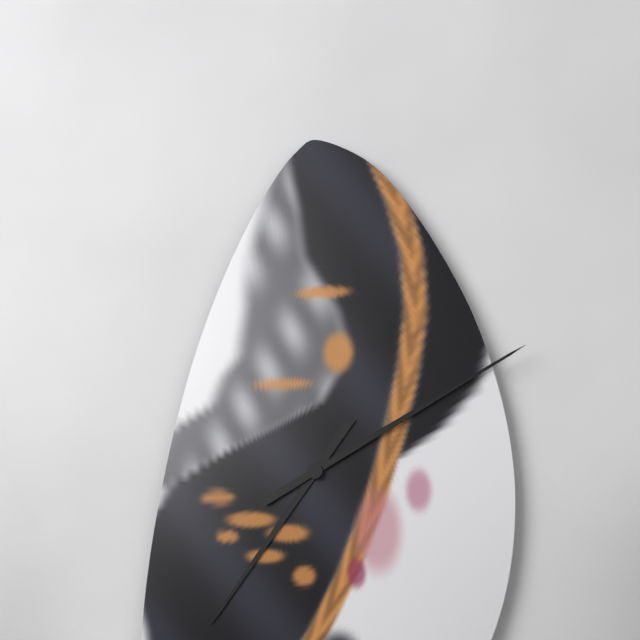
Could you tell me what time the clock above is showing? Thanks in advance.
7:10
